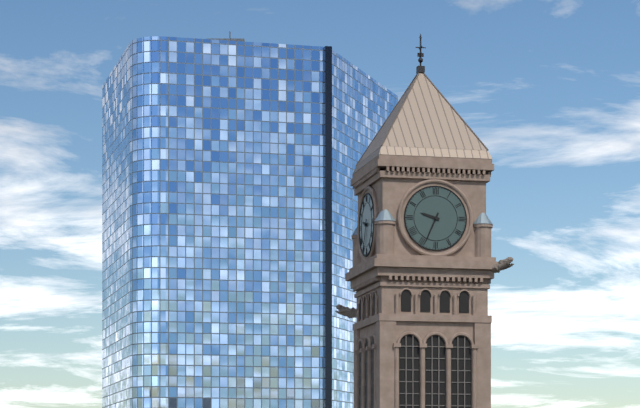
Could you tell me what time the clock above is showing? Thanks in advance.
9:34
